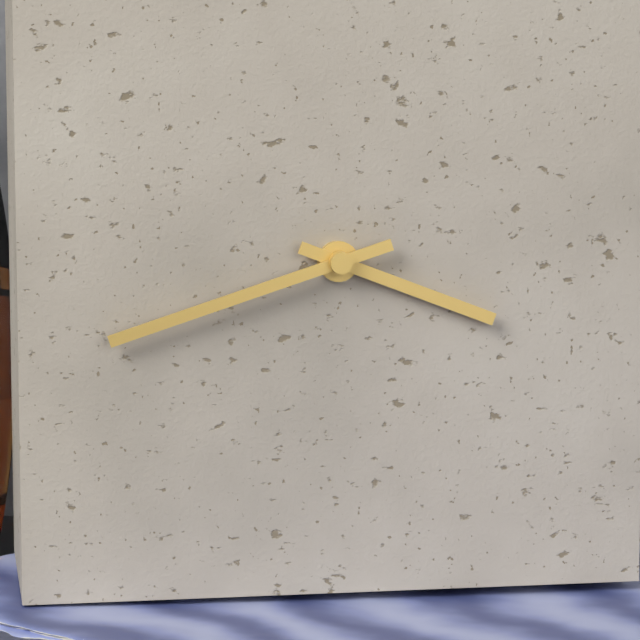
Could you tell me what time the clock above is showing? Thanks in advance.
3:42
